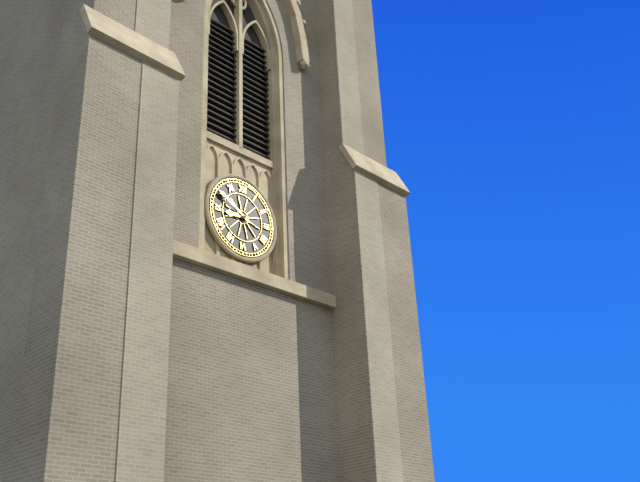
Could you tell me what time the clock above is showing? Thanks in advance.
8:50
